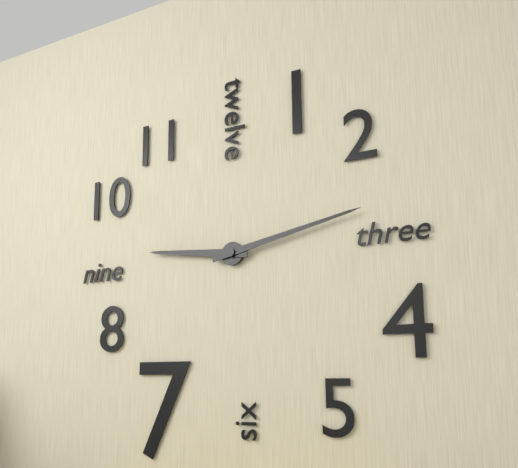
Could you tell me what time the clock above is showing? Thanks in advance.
9:13
